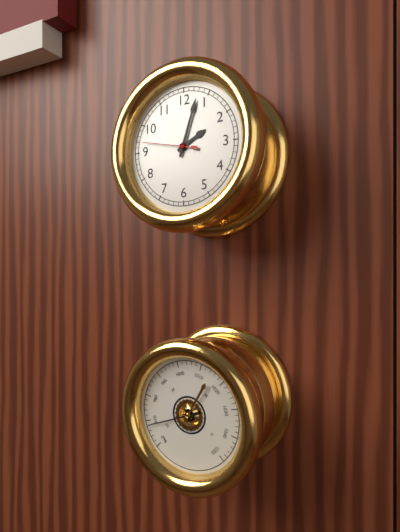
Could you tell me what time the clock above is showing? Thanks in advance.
2:03:47
